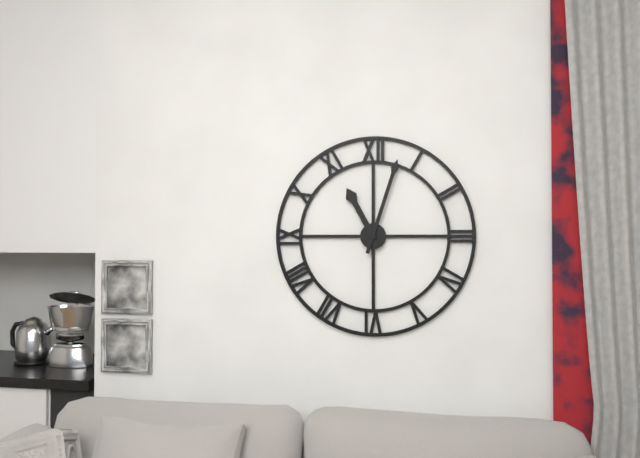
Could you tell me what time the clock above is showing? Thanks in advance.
11:03
